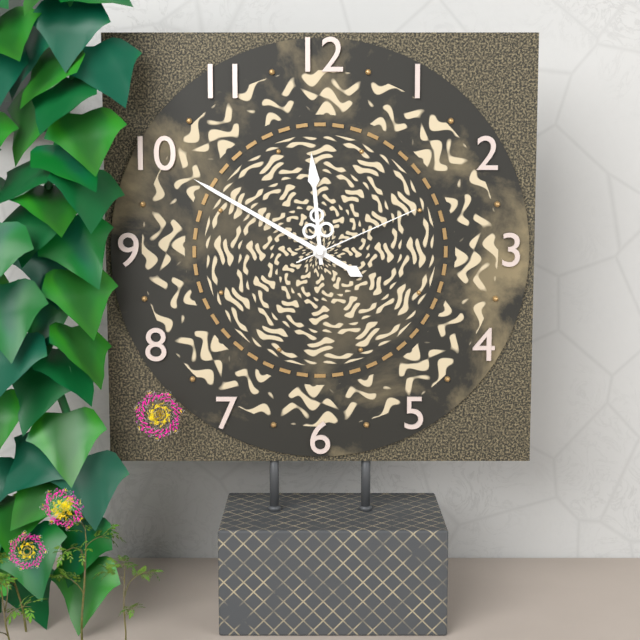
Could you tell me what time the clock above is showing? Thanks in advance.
11:50:11
